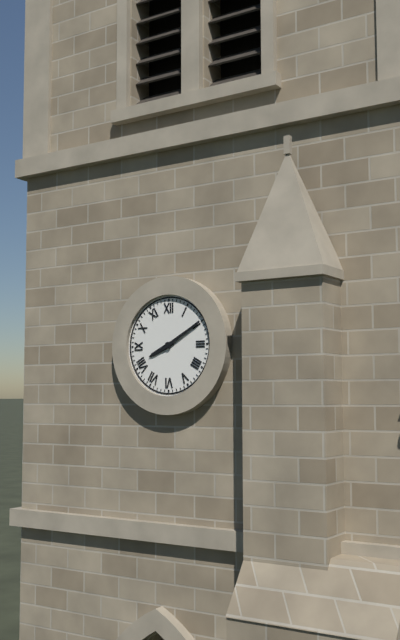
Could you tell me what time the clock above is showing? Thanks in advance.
8:10
